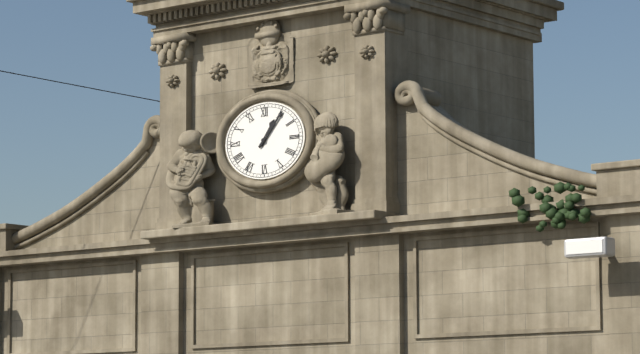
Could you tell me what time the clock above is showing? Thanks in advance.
1:07
